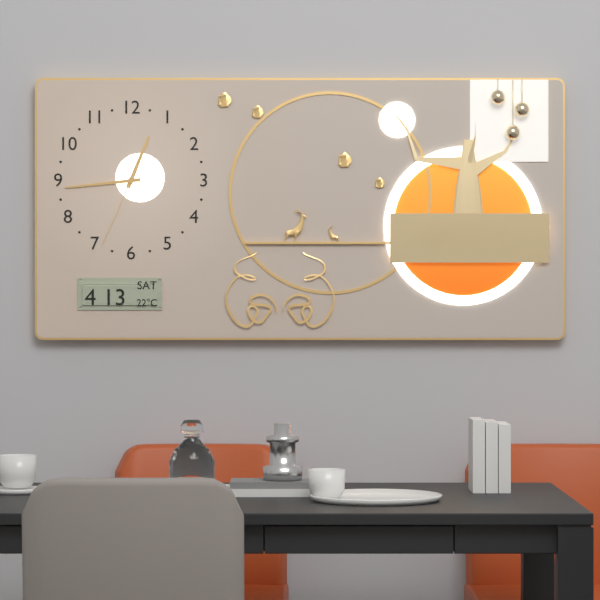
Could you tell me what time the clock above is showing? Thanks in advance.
12:44:34
